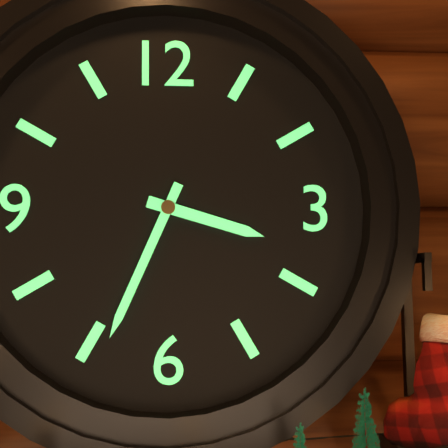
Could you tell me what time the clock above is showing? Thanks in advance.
3:34
